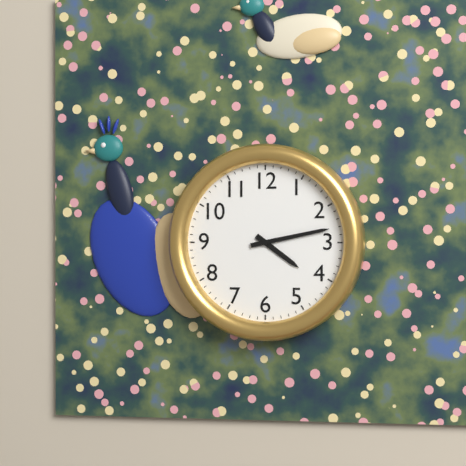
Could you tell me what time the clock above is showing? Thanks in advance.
4:13
